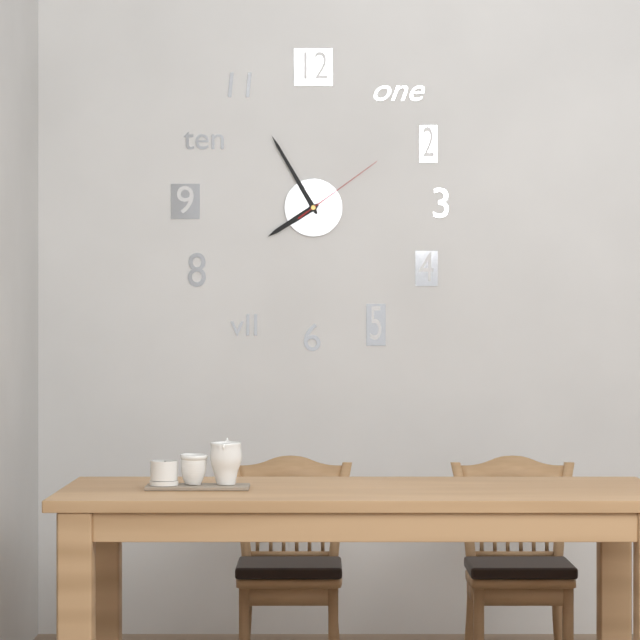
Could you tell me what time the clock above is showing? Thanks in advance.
7:55:09
